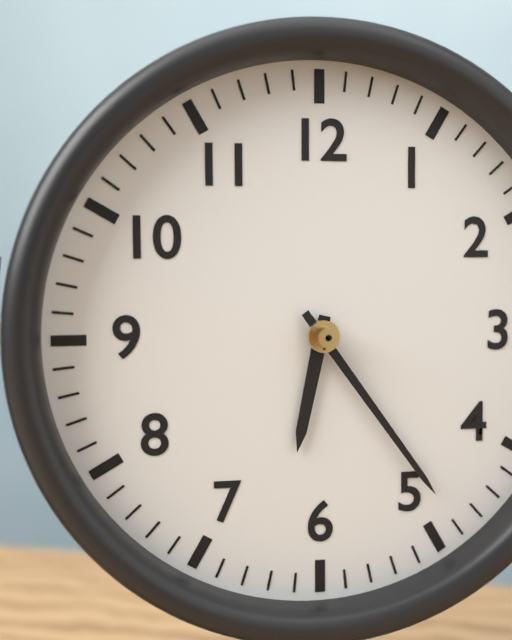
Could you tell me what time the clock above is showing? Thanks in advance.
6:24
